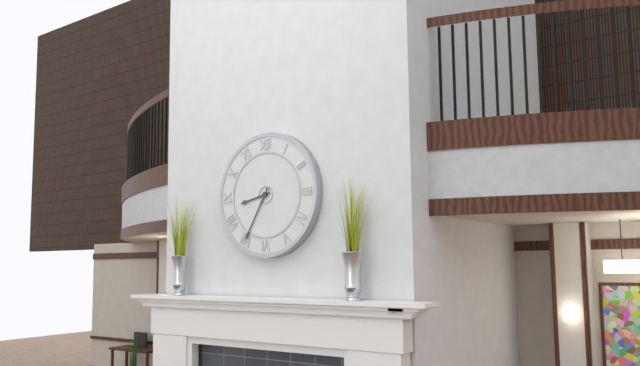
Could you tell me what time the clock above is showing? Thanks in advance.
8:35
